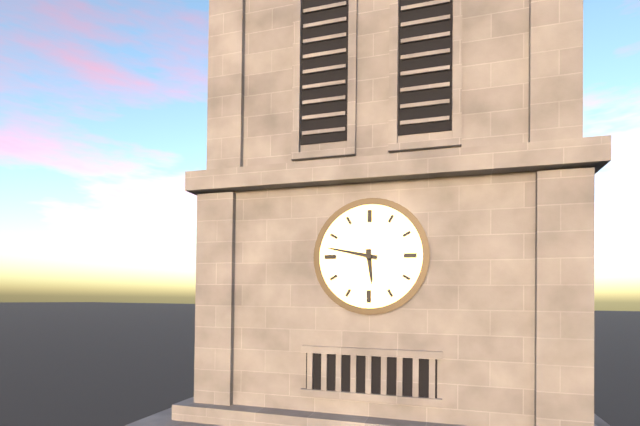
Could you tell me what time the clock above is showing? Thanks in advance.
5:47
